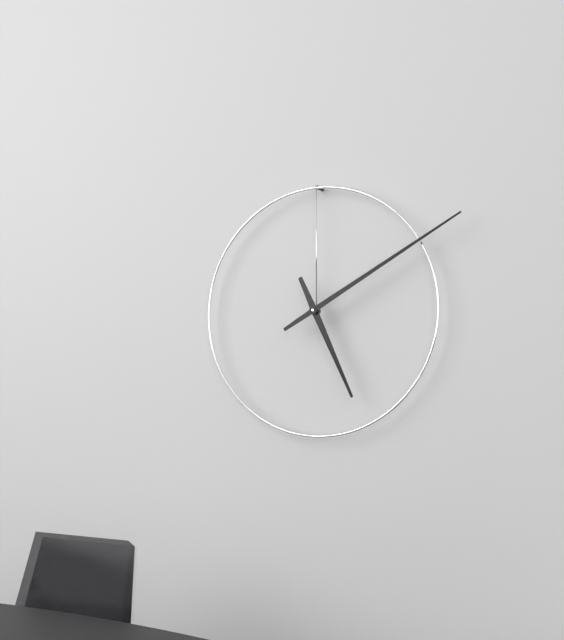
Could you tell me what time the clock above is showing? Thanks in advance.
5:10
